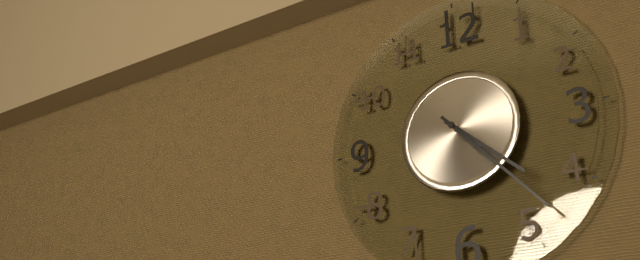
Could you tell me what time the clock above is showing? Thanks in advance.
4:23
